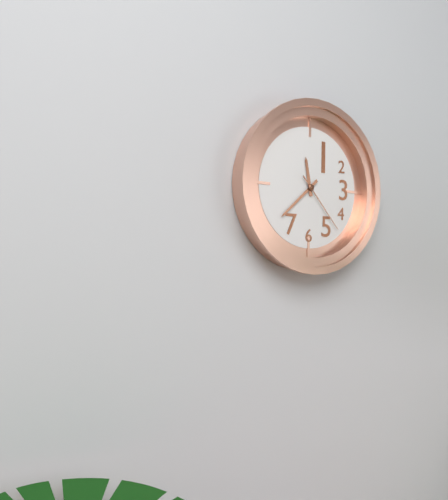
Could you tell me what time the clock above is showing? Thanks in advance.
11:38:23
